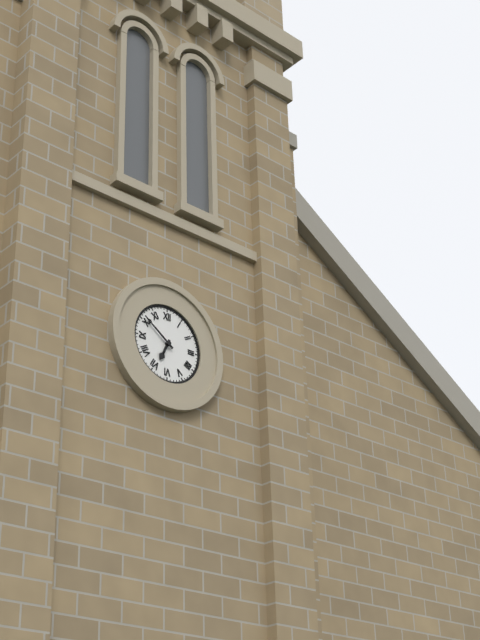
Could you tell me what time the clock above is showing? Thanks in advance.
6:51
